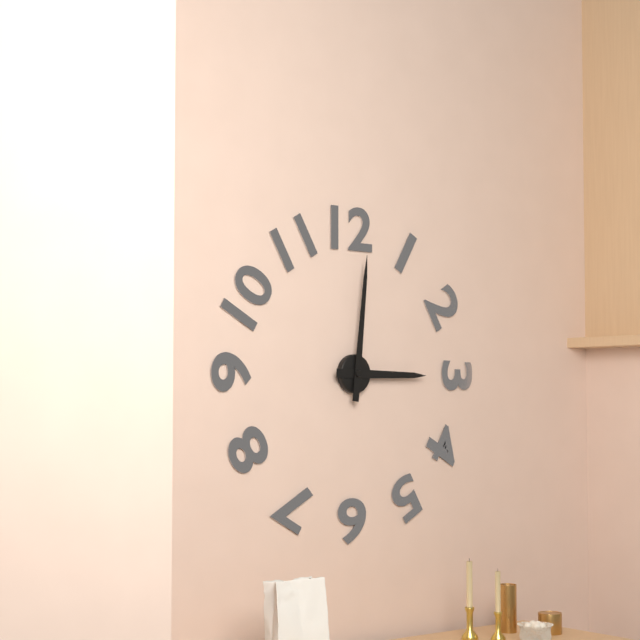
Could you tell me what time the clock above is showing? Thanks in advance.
3:01
